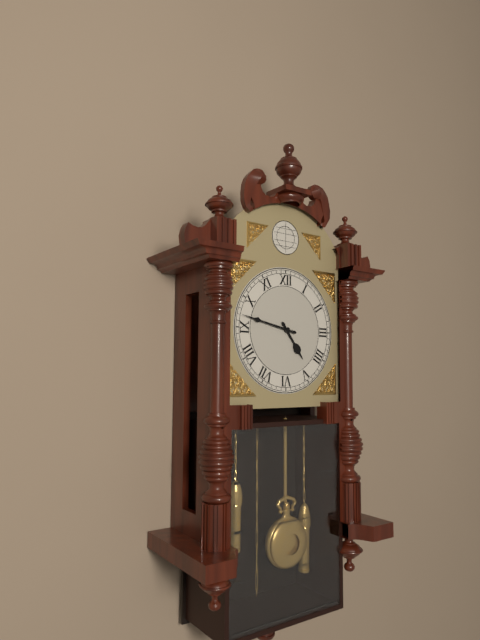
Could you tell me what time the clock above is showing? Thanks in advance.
4:47
